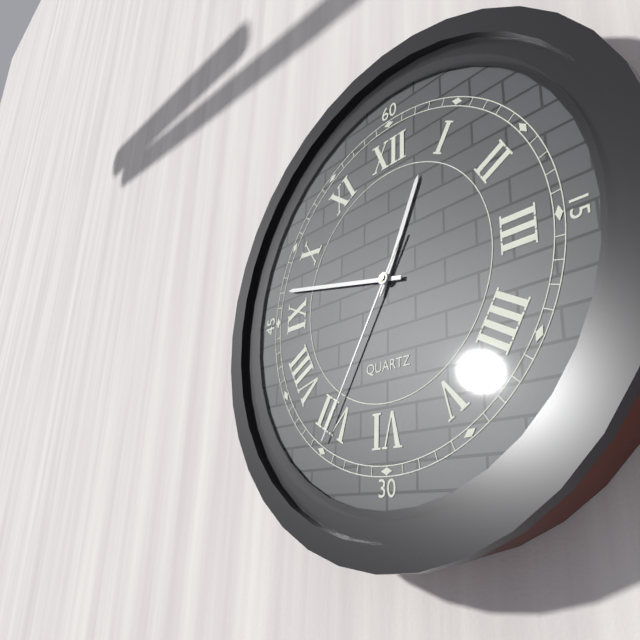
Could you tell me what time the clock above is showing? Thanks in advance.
12:47:35
